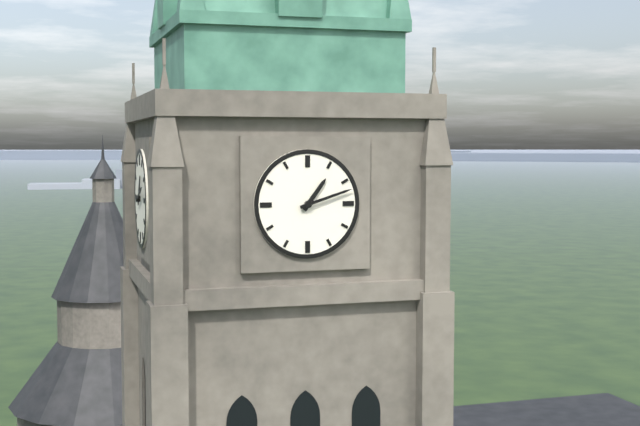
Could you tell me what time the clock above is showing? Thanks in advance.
1:12
